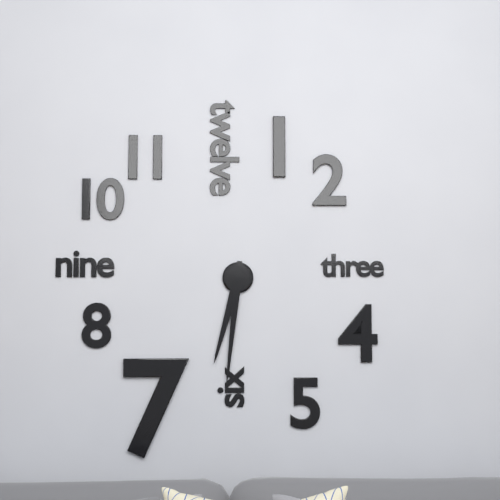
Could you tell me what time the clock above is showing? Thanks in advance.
6:31
